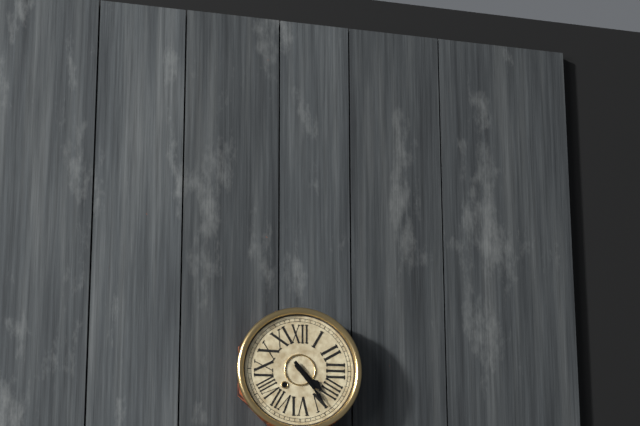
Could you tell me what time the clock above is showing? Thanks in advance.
4:24
